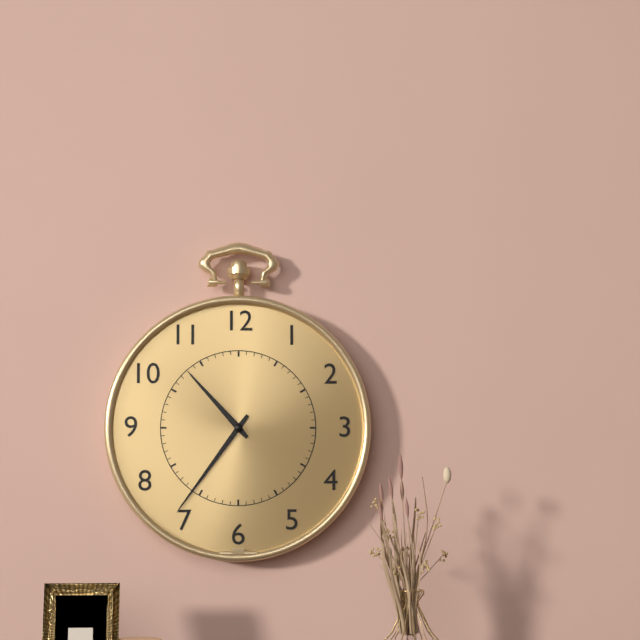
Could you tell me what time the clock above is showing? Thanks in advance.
10:36
